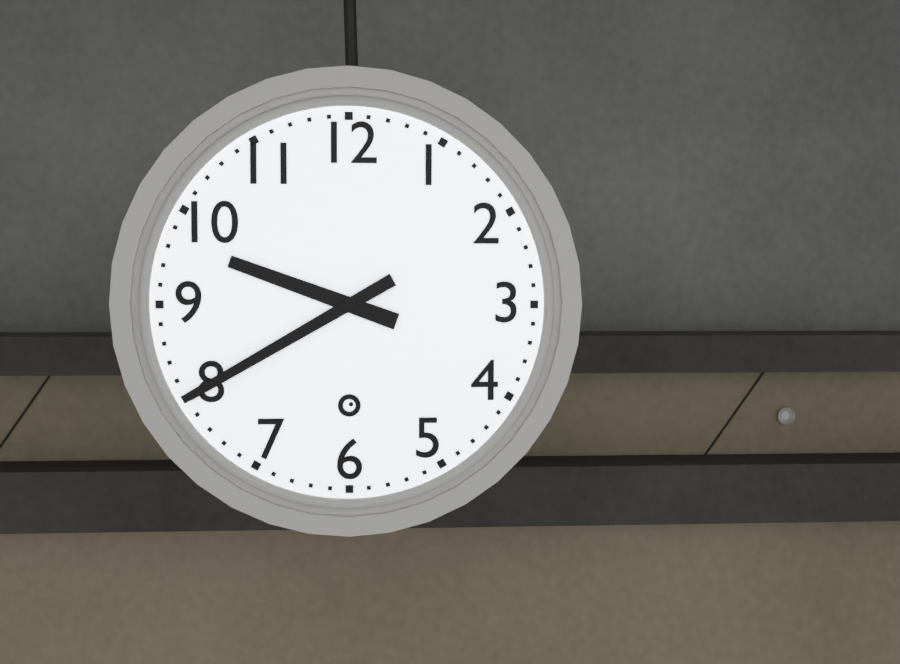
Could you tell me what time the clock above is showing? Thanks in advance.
9:40
